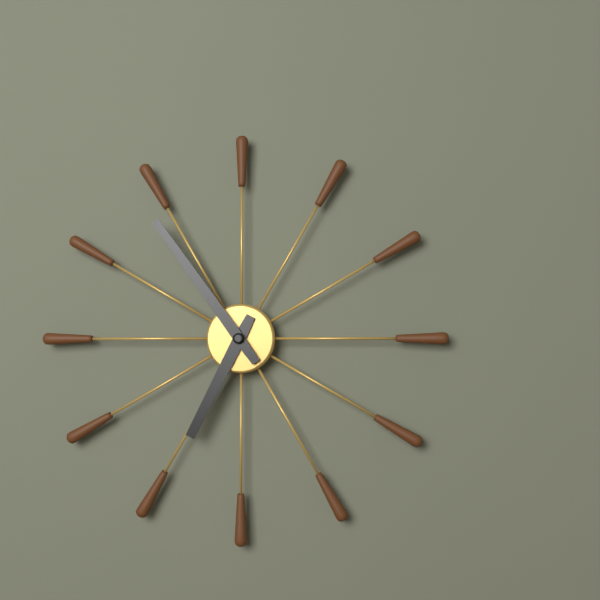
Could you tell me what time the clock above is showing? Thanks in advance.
6:54
